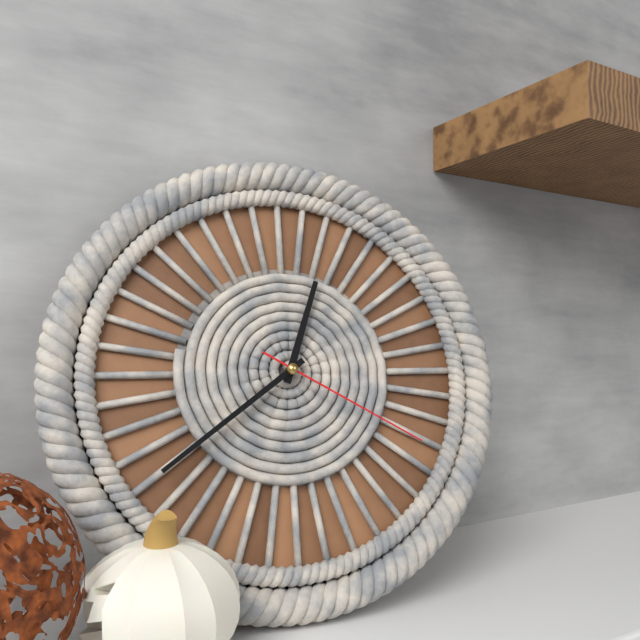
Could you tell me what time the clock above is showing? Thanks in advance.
12:39:20
